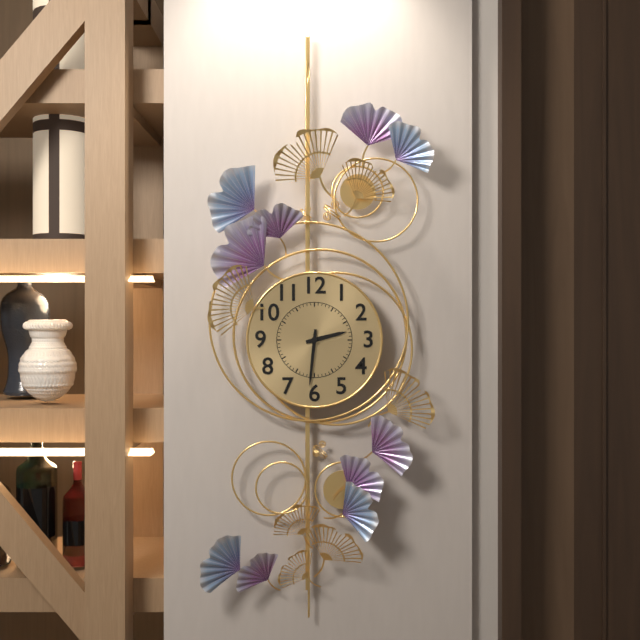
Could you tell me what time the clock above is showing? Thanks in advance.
2:31
